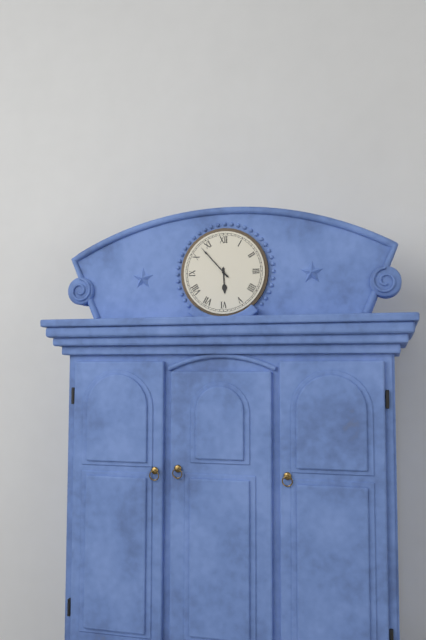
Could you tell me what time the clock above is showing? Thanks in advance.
5:53
